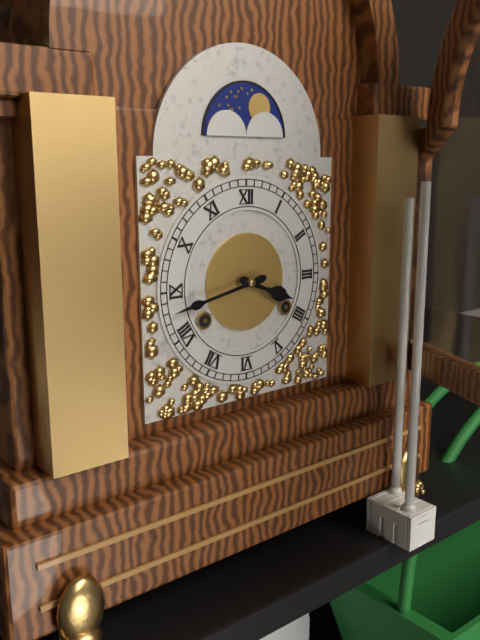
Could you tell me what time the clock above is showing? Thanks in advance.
3:43
